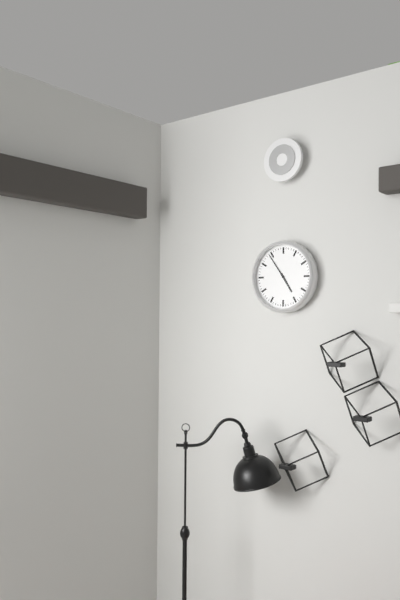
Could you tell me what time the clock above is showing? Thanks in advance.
4:54
